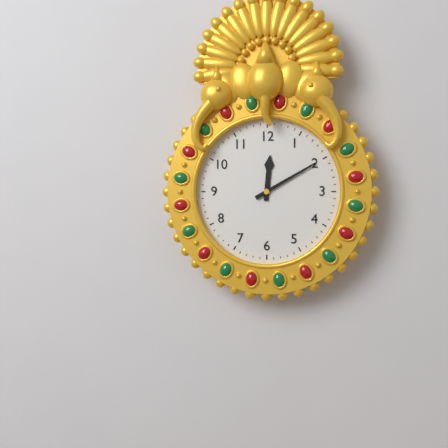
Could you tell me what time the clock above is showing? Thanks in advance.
12:10
